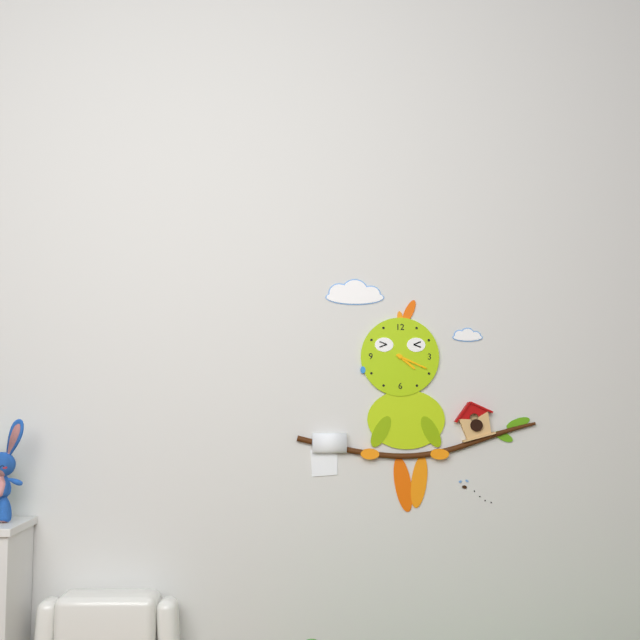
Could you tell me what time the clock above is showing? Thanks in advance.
4:19
